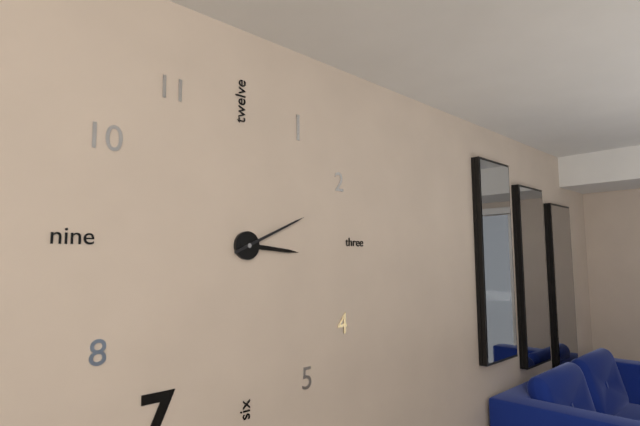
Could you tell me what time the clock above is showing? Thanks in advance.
3:11
